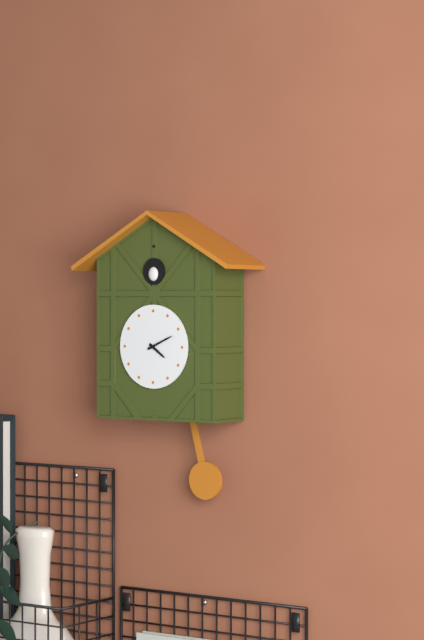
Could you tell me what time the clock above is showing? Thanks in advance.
4:11
